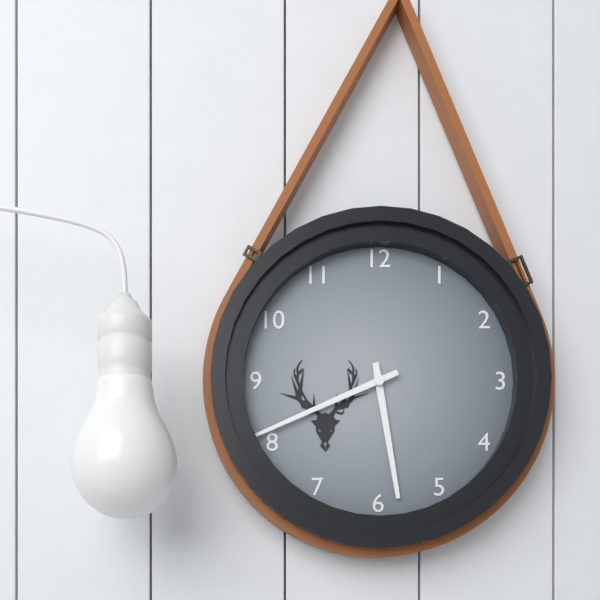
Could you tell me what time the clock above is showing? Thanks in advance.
5:41
